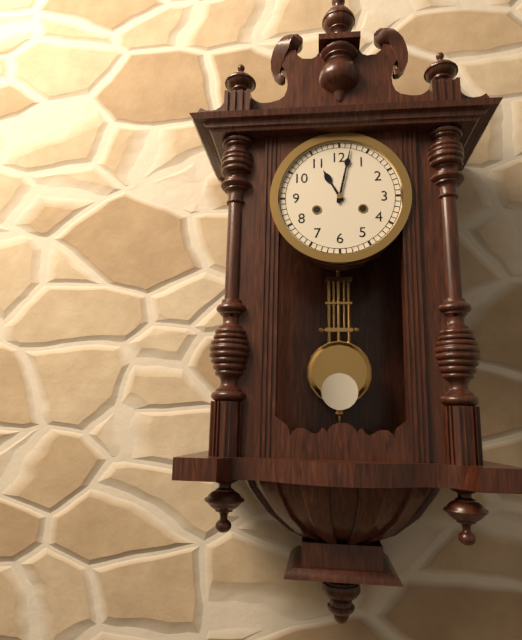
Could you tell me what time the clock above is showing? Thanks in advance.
11:02
